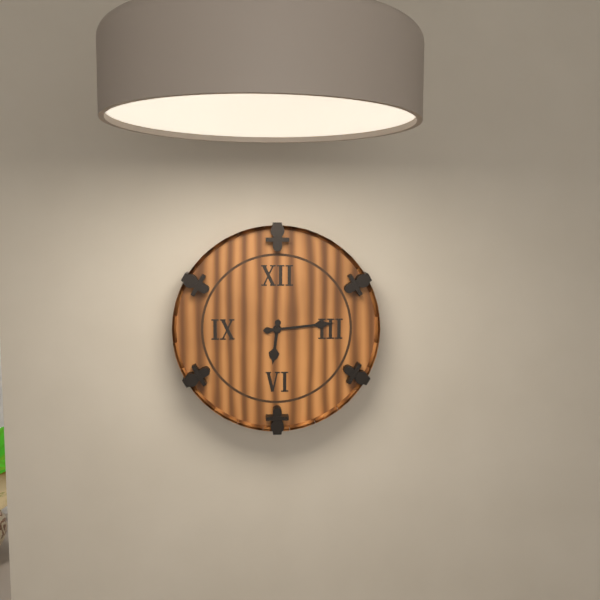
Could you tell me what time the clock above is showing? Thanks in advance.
6:14
